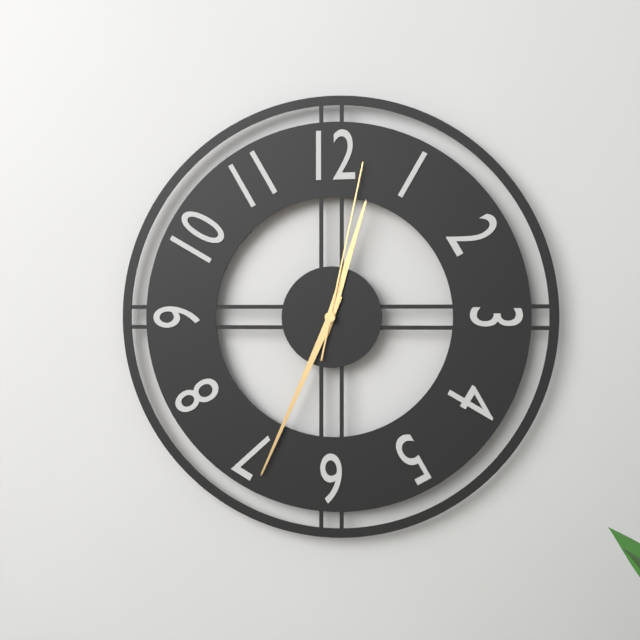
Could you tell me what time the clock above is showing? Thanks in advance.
12:34:02
